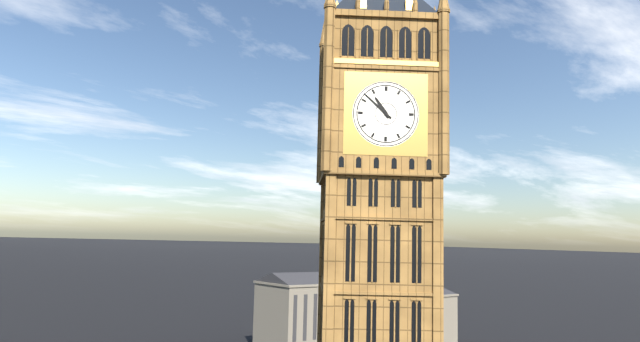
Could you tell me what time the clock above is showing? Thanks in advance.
10:52
